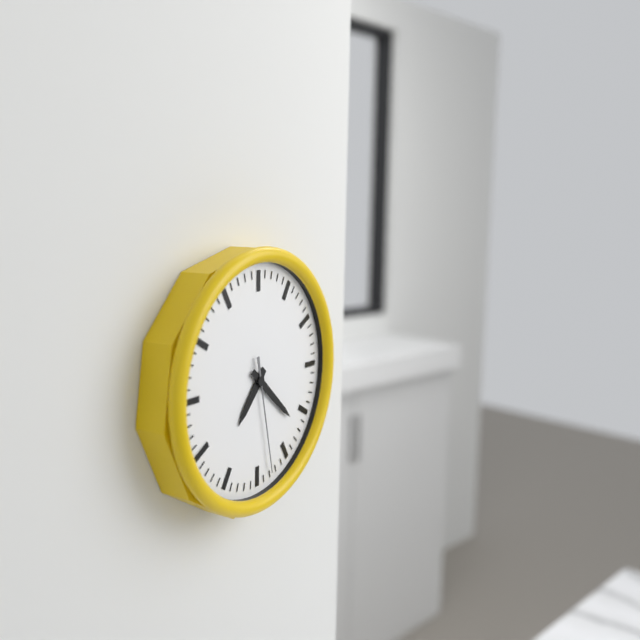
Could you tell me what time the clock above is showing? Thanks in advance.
7:22:28
